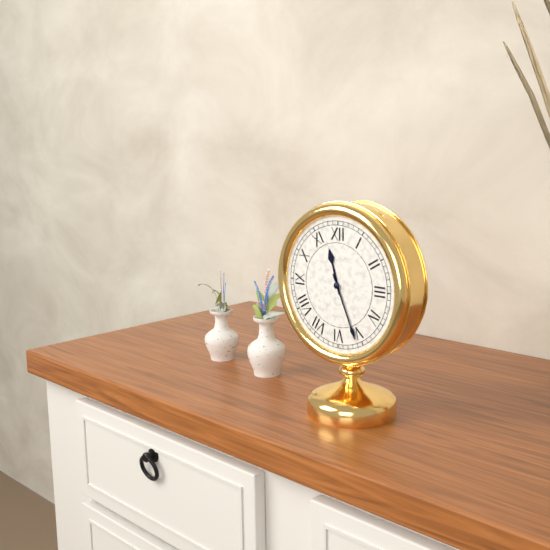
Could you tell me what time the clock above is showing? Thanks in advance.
11:26
